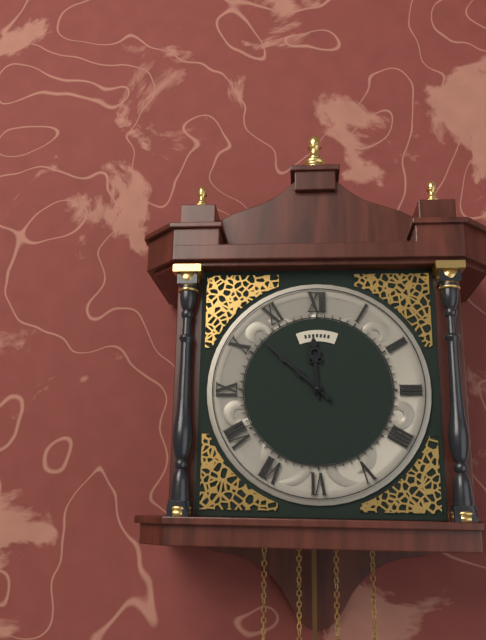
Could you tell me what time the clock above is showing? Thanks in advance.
11:52
